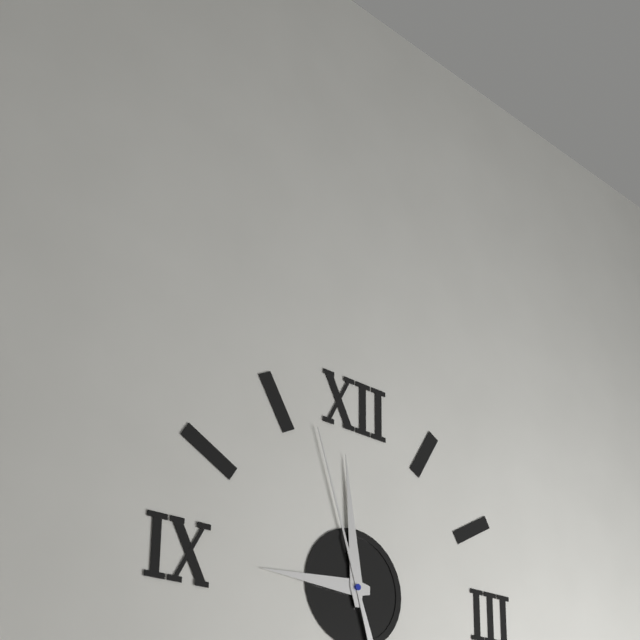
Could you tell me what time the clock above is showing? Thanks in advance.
8:59:57
